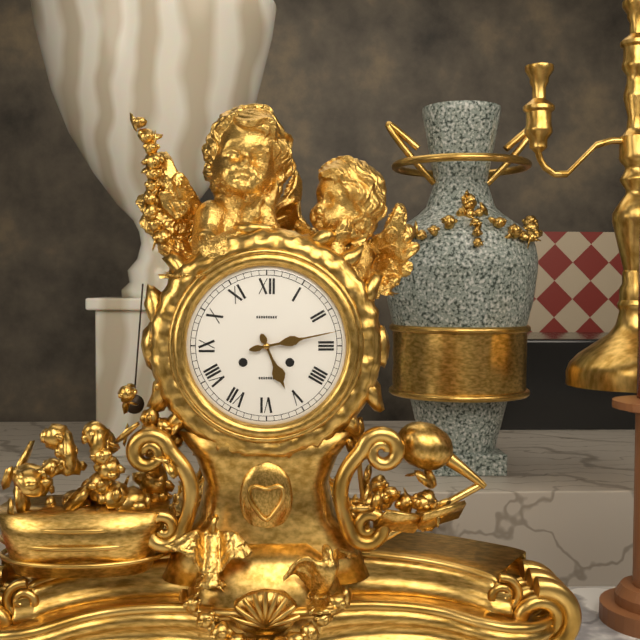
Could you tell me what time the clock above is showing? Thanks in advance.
5:13
